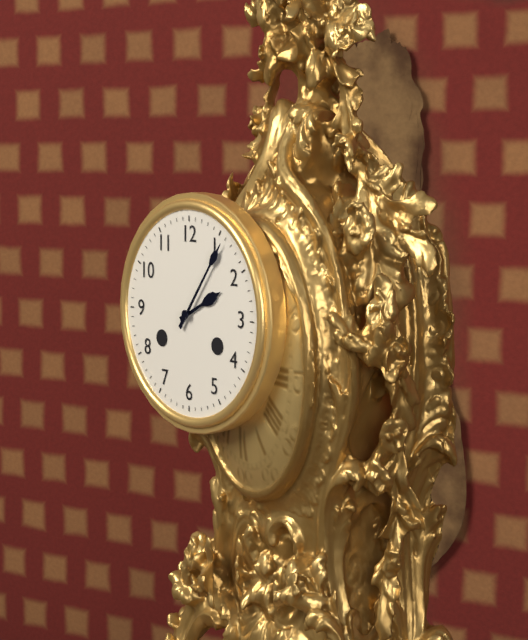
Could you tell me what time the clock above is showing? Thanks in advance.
2:06
